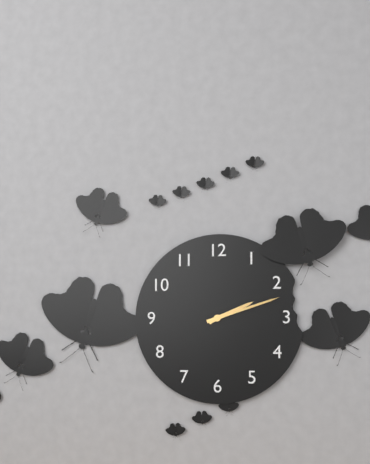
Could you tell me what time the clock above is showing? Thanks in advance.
2:12
